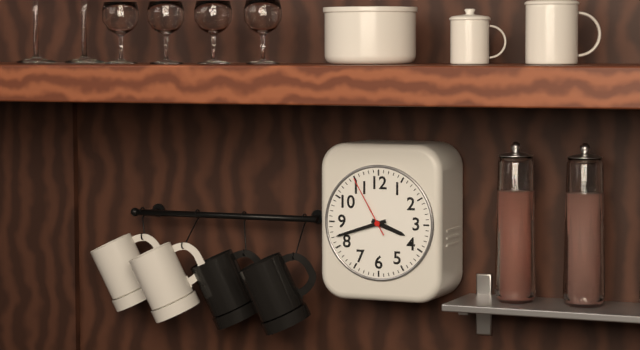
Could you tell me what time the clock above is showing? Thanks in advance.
3:42:55
